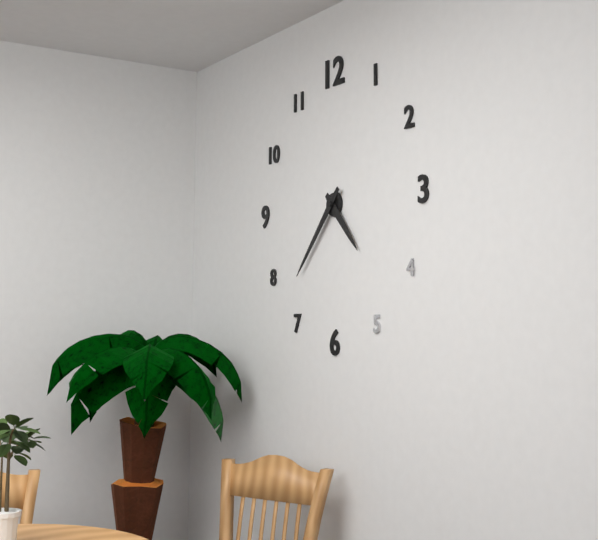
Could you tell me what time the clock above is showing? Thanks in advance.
4:37
